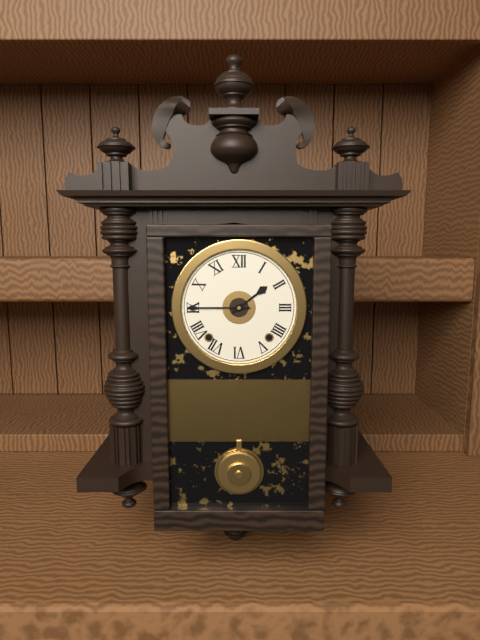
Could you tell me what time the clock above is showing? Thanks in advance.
1:45
